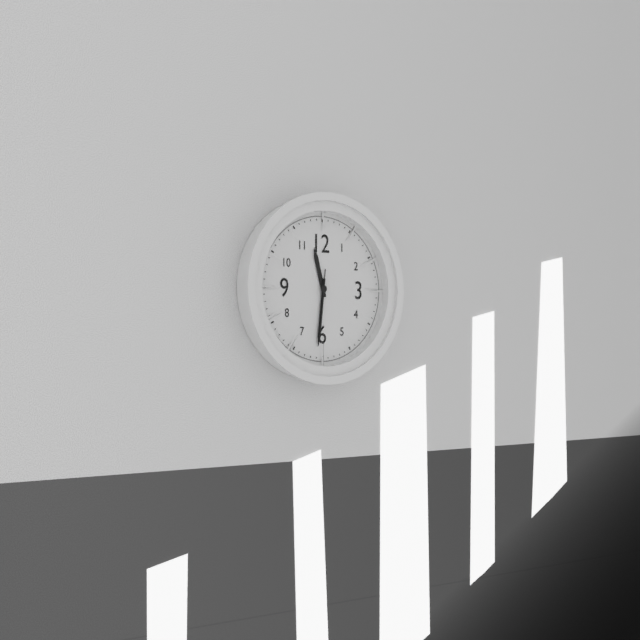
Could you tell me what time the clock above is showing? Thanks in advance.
11:31:31
